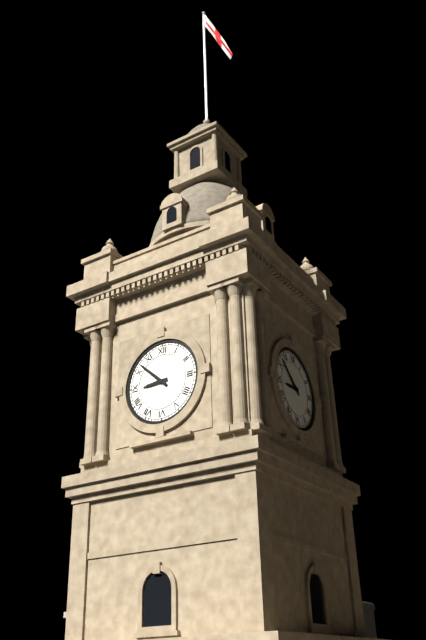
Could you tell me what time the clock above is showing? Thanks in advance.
8:52
